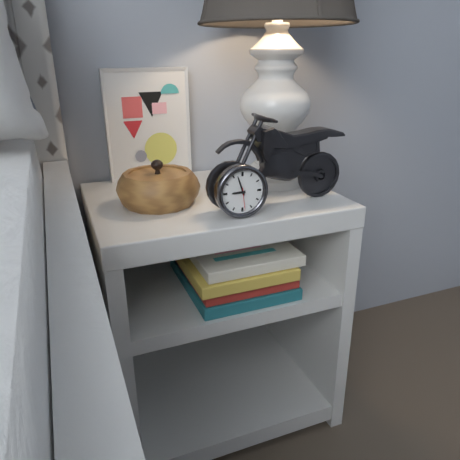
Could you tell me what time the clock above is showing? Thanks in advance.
8:57
